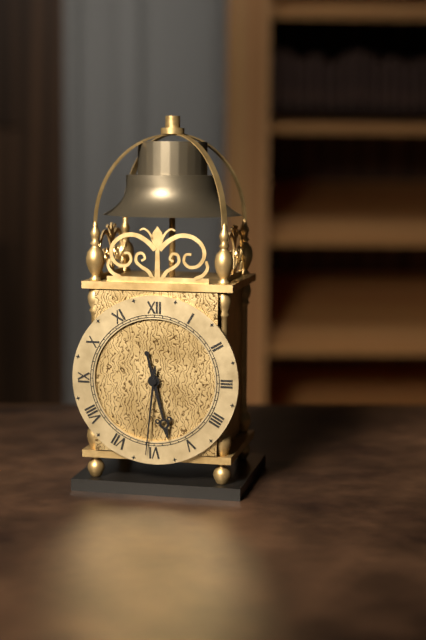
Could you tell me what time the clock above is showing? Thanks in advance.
5:31
